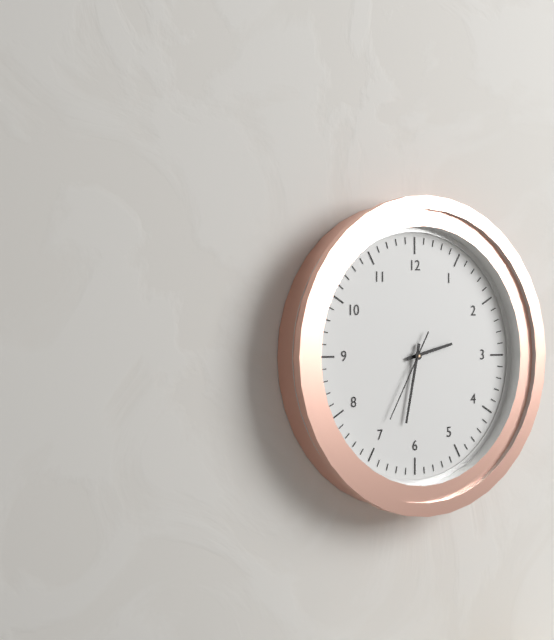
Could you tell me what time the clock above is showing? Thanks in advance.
2:32:35
